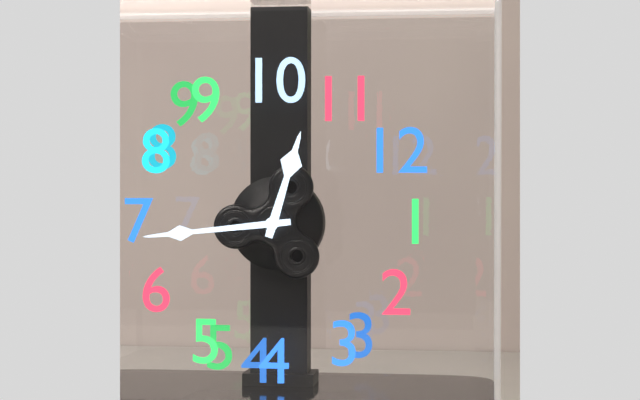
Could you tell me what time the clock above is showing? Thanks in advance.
10:34
